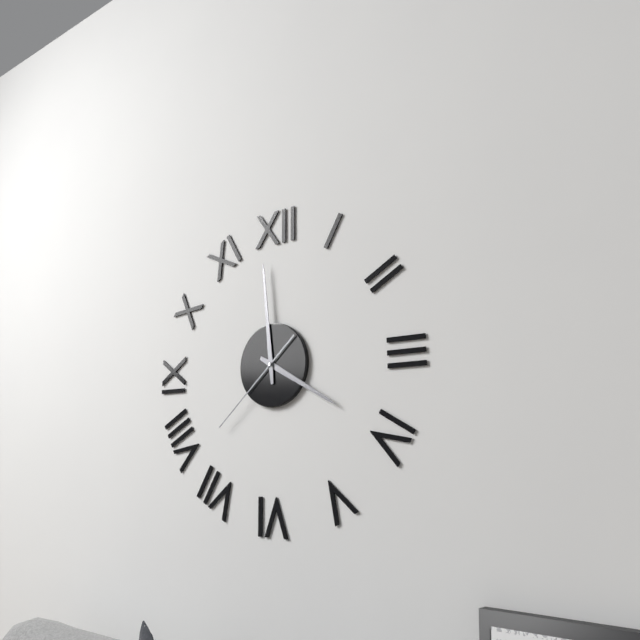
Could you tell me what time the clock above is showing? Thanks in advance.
3:59:38
